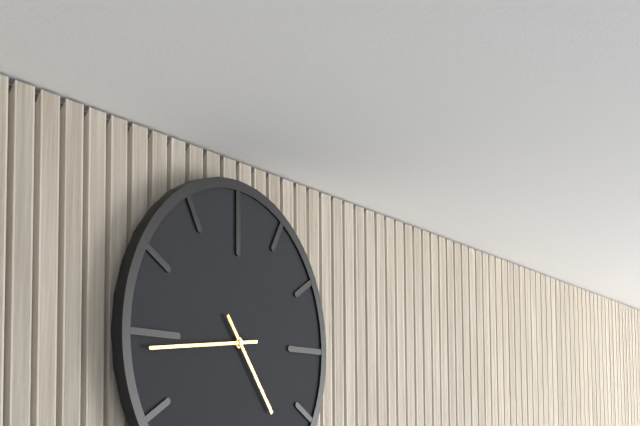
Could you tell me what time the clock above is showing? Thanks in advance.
4:44
